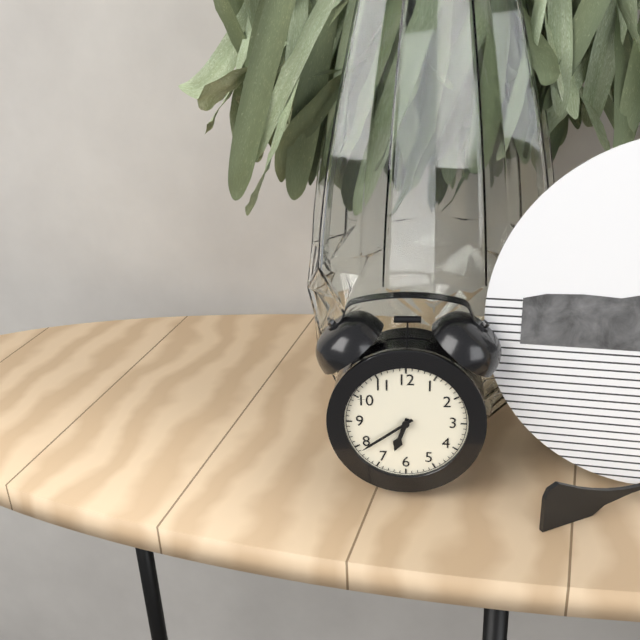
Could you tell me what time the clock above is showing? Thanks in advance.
6:39
